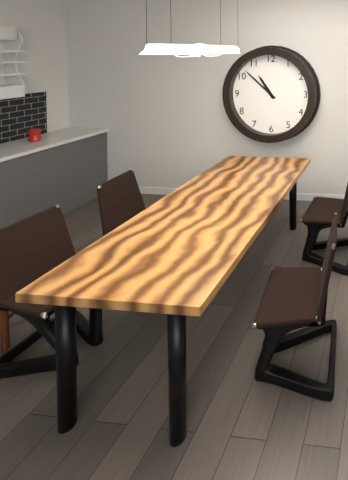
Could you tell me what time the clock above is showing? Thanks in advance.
10:52
